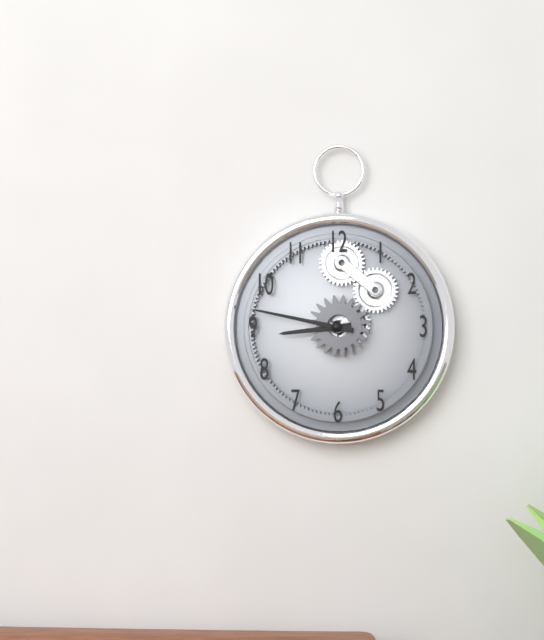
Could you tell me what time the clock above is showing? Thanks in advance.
8:47
